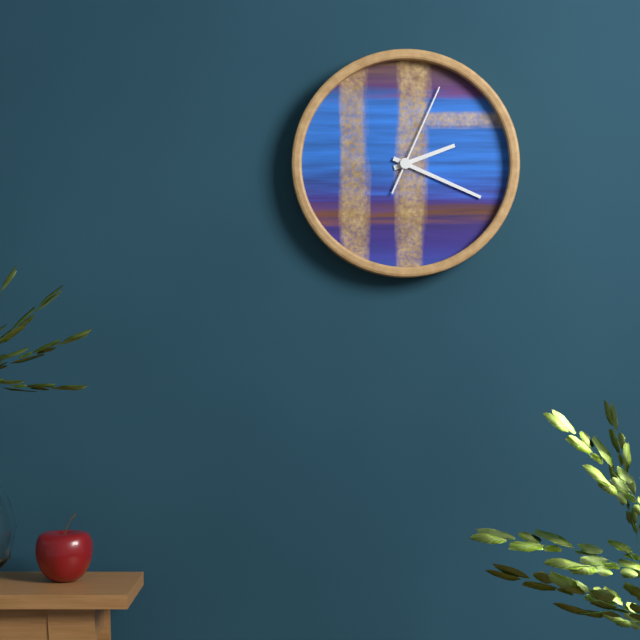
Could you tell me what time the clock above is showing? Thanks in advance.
2:19:04
